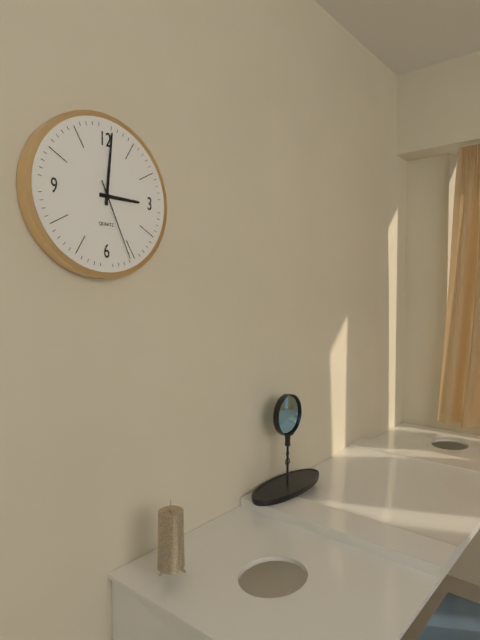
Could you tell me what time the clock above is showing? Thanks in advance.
3:01:26
